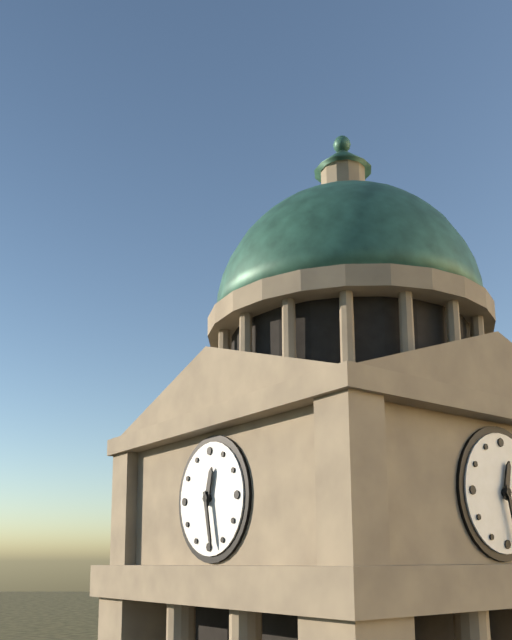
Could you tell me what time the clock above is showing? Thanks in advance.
12:28
